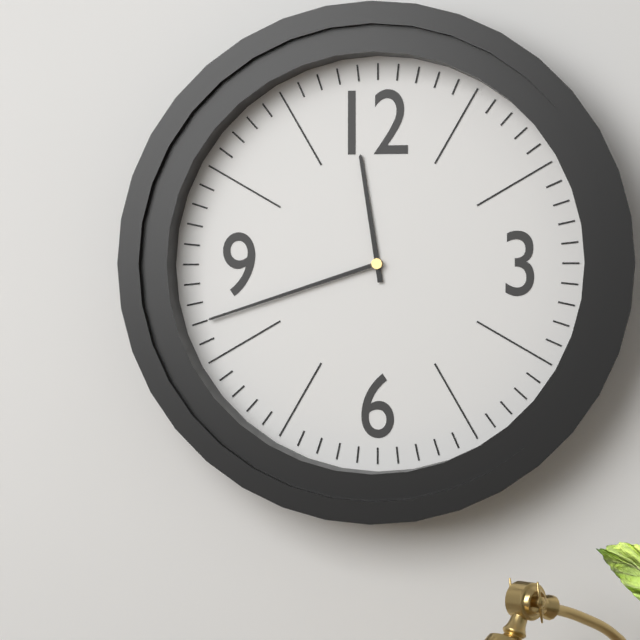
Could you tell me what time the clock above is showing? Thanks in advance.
11:42
